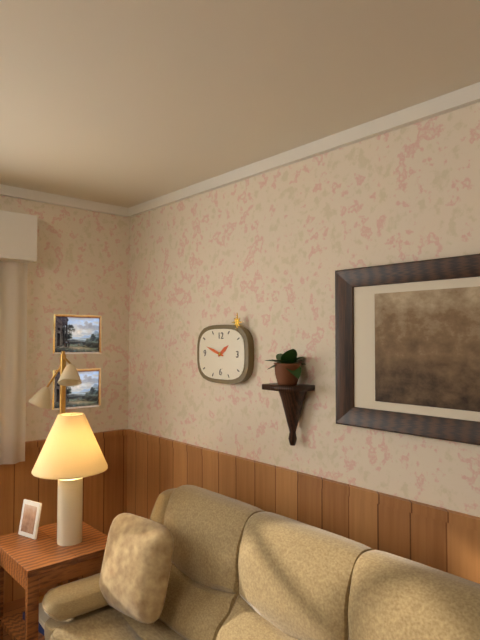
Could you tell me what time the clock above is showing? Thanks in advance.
1:48
